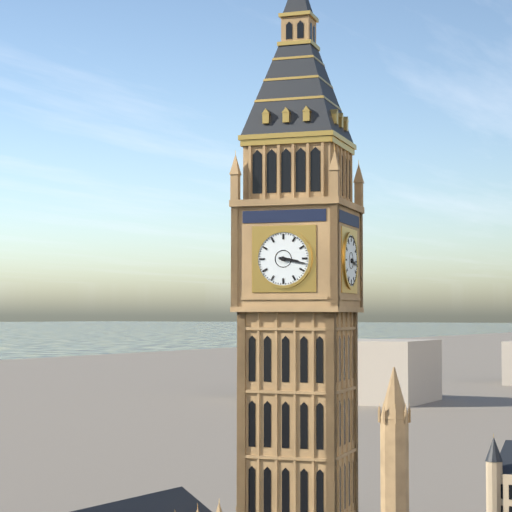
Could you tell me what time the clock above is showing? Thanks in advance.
3:17
